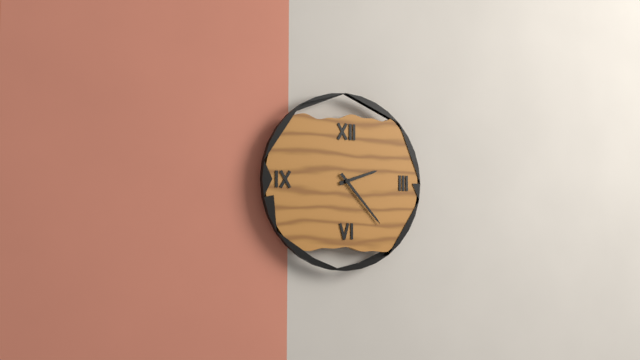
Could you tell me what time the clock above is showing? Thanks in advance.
2:23
